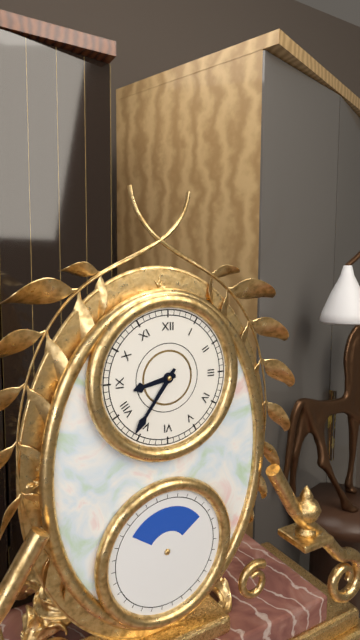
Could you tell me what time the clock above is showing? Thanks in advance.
8:36
